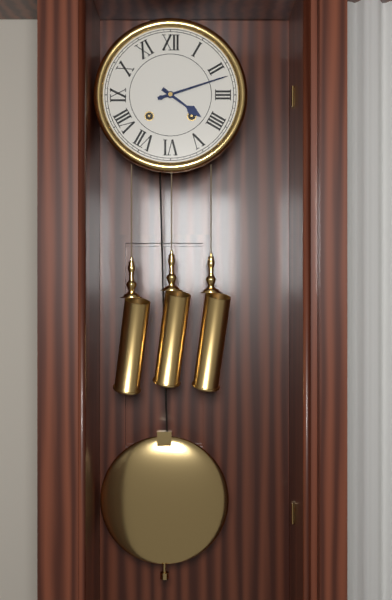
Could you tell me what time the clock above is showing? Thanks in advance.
4:12
